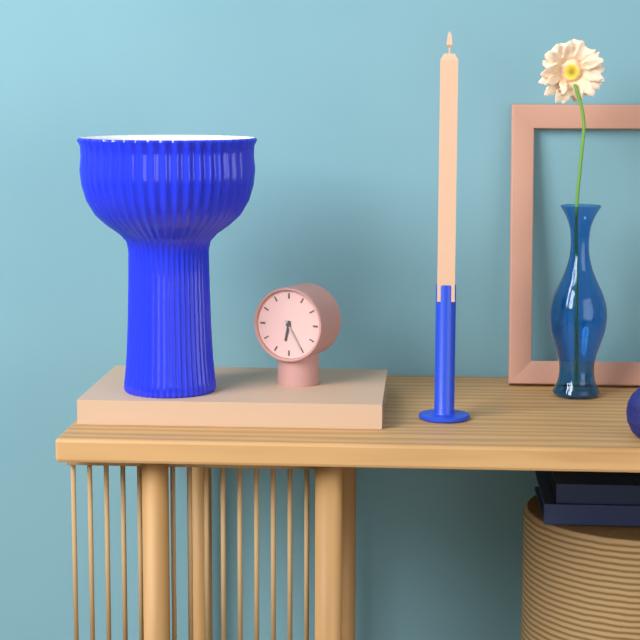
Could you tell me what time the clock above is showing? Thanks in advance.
6:25
